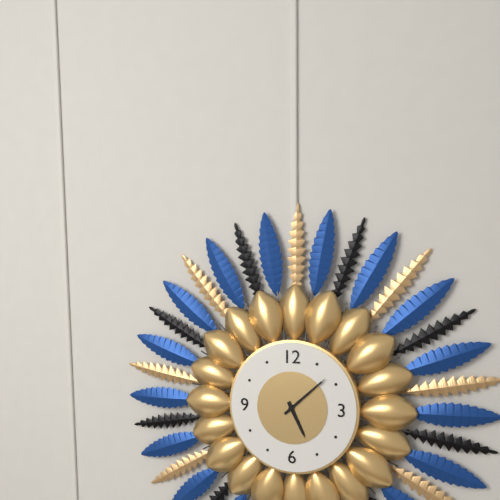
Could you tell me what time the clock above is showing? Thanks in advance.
5:08
